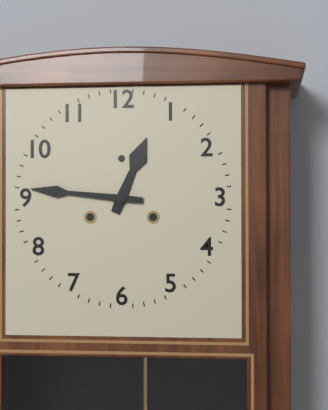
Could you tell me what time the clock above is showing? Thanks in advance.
12:46
